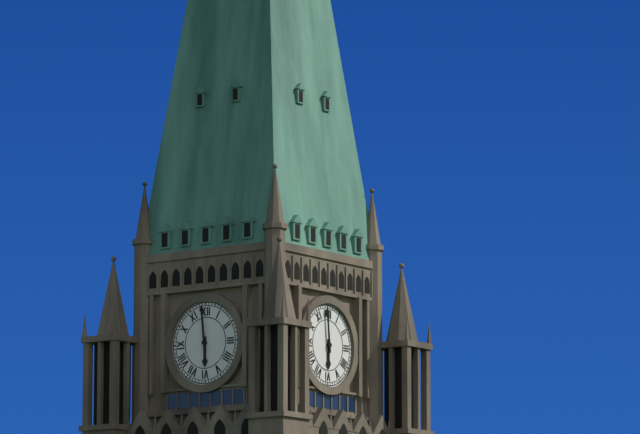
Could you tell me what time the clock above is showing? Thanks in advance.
5:59
